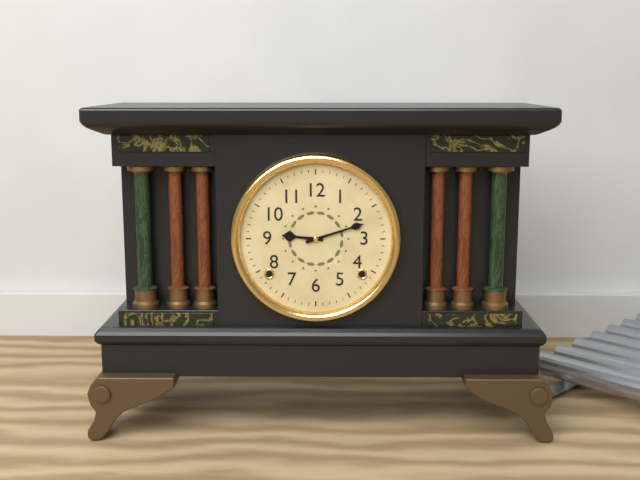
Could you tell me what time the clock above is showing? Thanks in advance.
9:12
